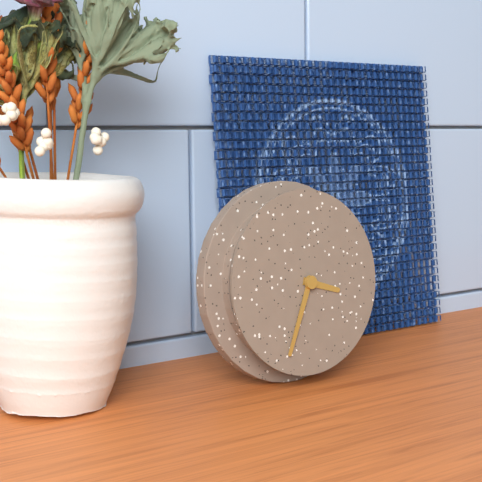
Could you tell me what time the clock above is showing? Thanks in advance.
3:34
